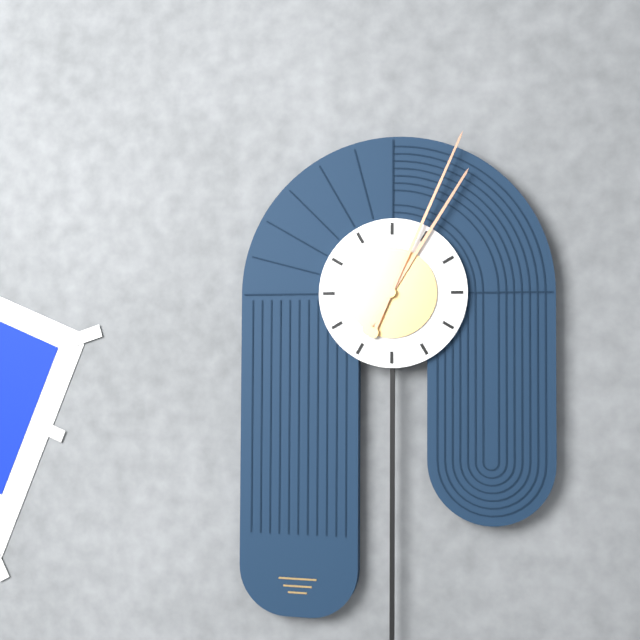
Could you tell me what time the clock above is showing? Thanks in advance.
1:04
